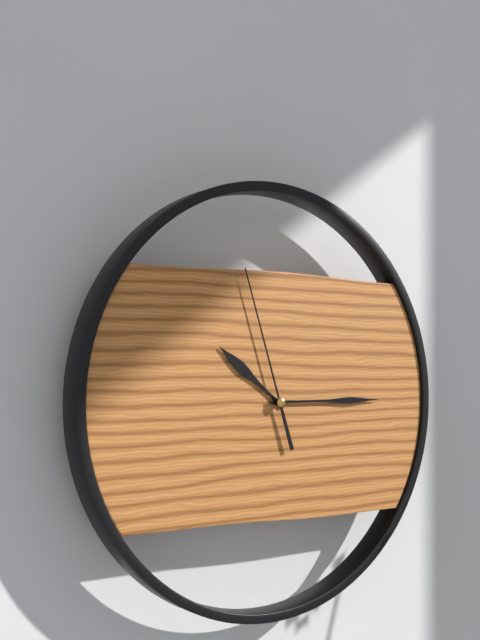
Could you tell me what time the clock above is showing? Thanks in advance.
10:15:57
